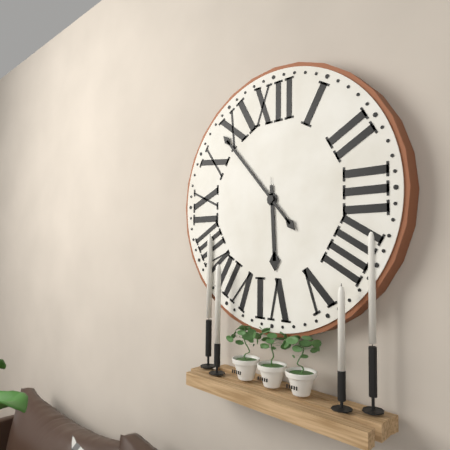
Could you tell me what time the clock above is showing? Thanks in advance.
5:53
